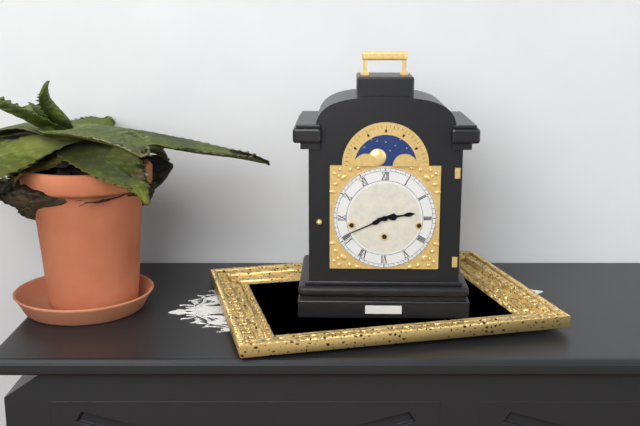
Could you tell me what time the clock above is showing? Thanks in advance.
2:41
